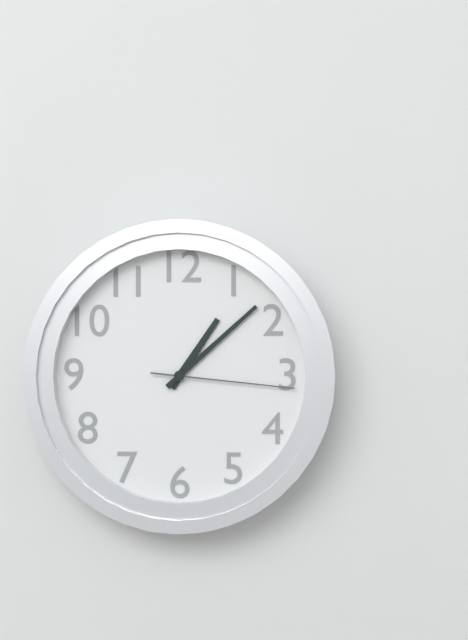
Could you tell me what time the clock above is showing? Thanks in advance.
1:08:16
